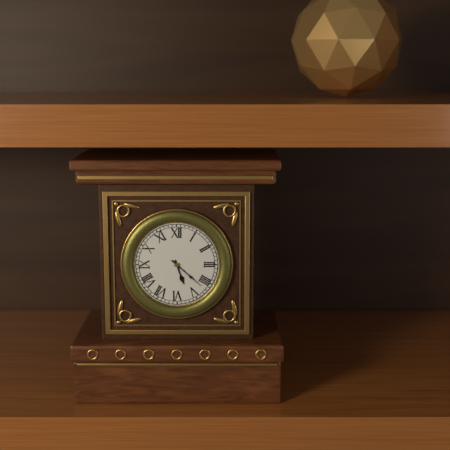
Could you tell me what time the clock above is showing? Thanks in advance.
5:22
